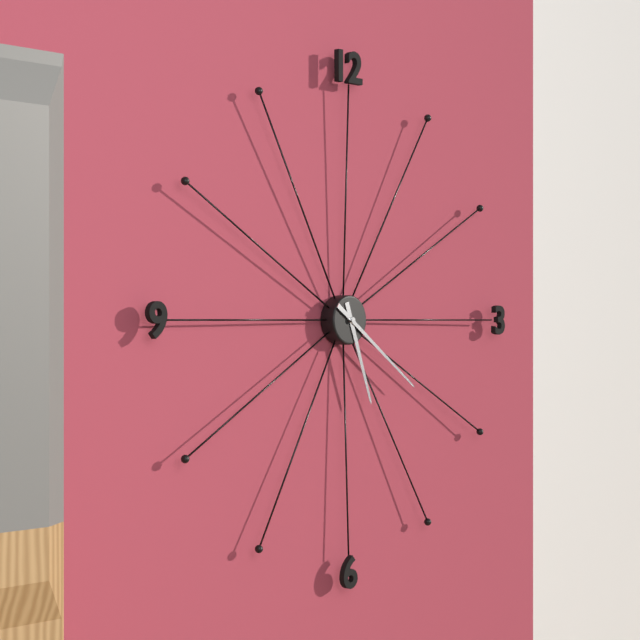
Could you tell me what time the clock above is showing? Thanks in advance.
5:21
